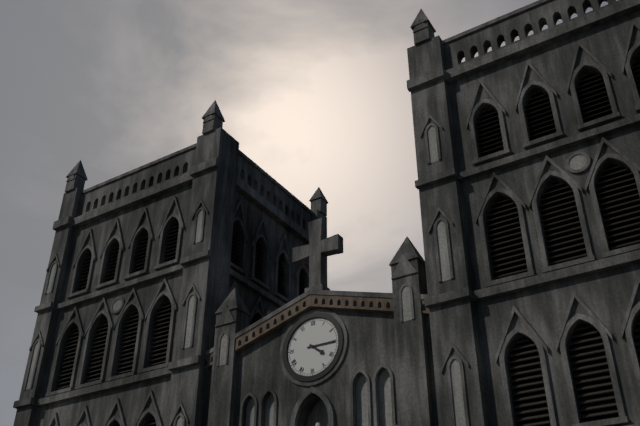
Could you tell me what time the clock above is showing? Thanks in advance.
4:15
